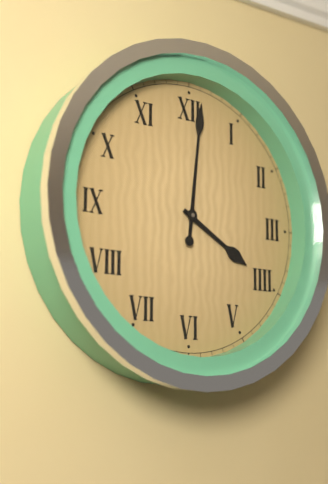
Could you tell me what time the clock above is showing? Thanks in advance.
4:01
